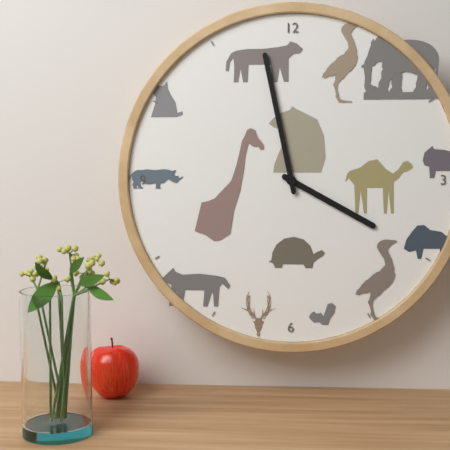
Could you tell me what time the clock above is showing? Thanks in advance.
3:58
